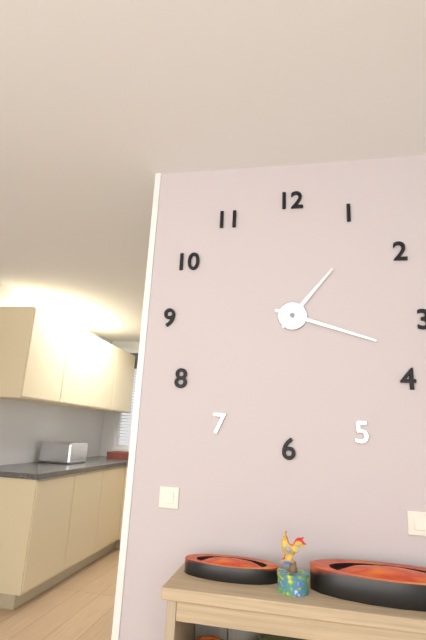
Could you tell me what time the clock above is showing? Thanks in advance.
1:18
